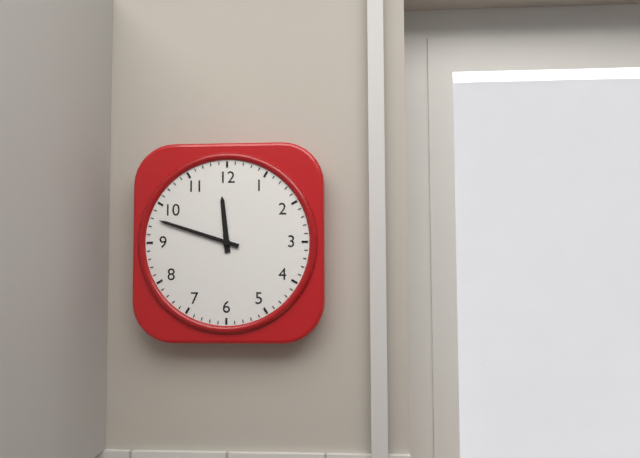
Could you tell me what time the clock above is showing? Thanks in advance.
11:48
